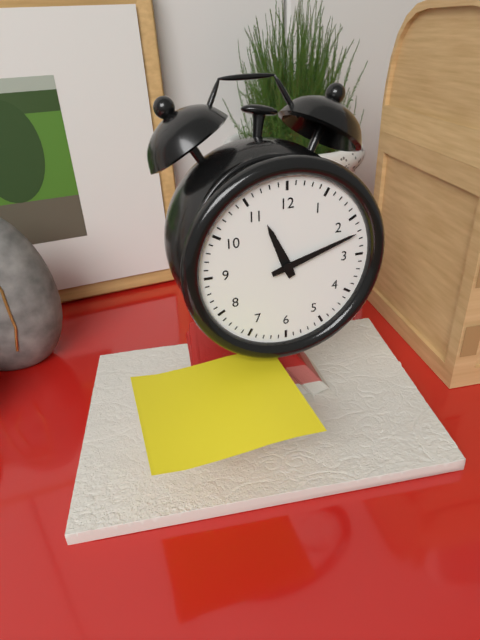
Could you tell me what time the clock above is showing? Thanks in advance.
11:12
